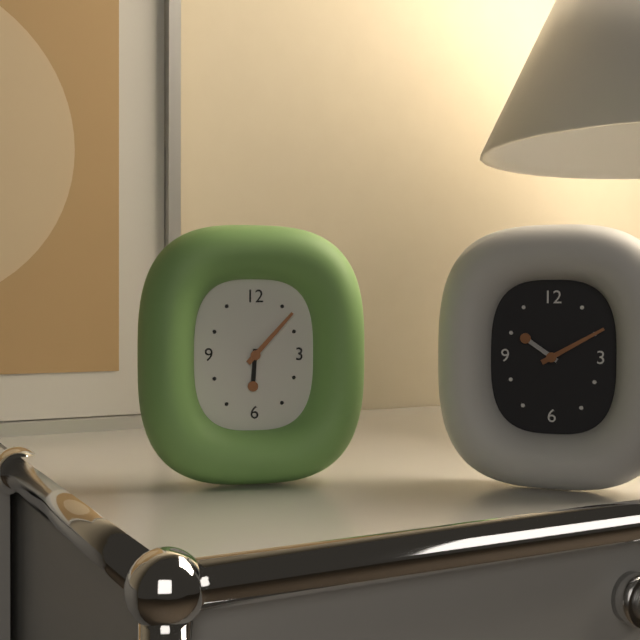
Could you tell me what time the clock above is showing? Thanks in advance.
6:07
